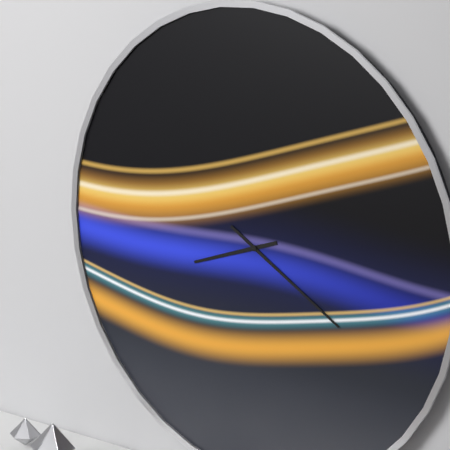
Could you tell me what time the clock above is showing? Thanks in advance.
8:20
